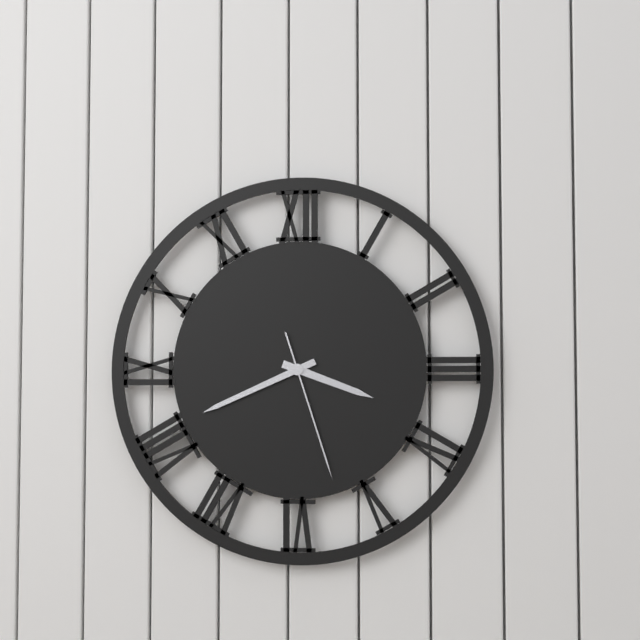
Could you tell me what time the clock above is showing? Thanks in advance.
3:41:27
